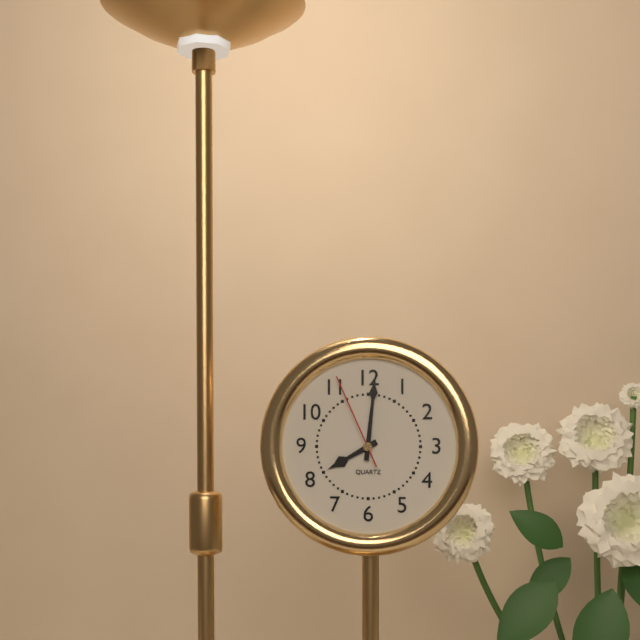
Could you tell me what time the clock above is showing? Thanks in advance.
8:01:56
